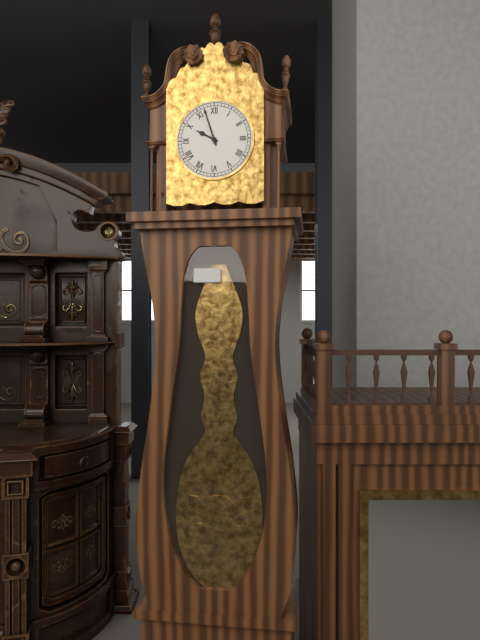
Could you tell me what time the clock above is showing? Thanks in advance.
9:57
